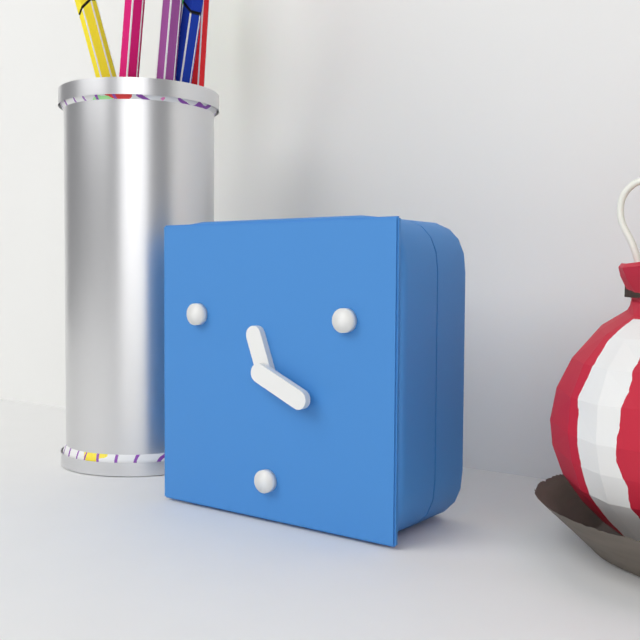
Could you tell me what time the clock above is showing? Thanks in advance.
11:19
